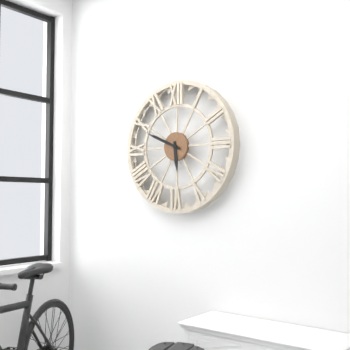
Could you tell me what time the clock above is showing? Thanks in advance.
5:49
